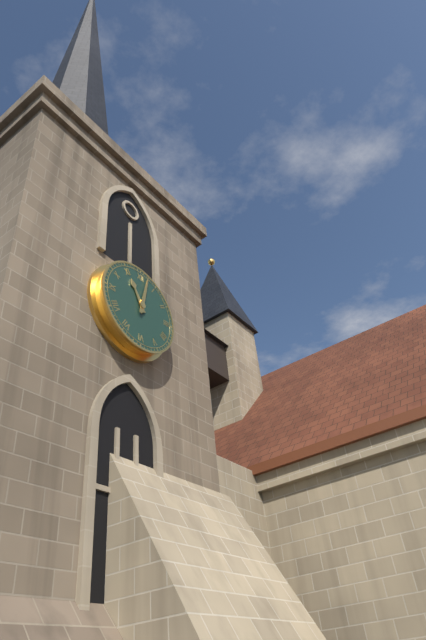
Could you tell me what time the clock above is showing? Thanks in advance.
11:02
